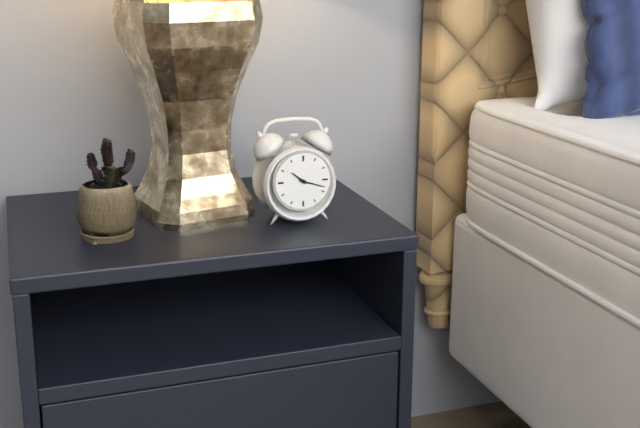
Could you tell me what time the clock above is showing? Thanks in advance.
10:18
